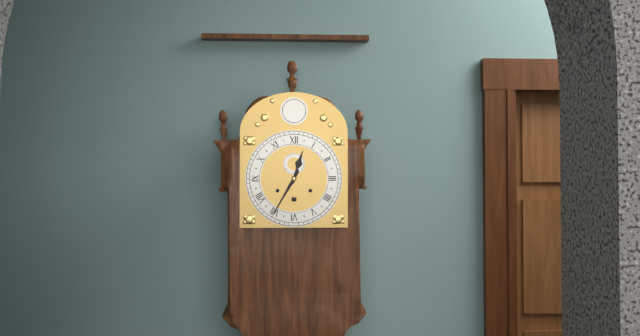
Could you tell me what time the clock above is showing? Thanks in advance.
12:35
